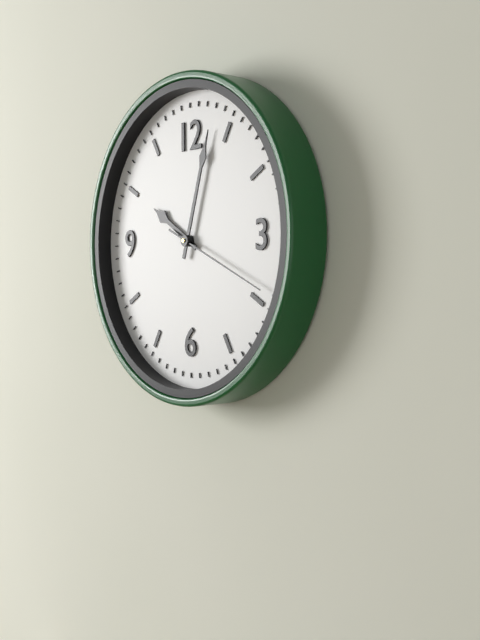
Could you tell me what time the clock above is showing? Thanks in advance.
10:03:19
